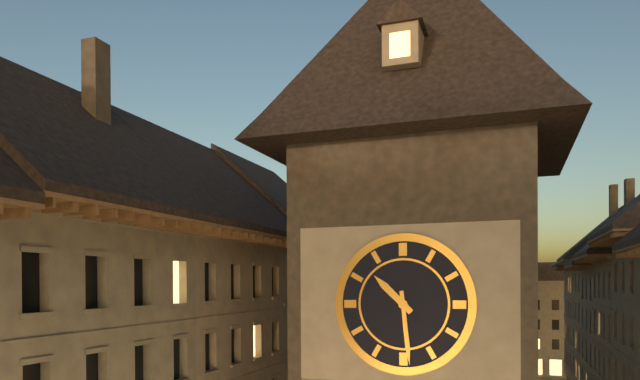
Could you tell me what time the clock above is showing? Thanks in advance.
10:29
